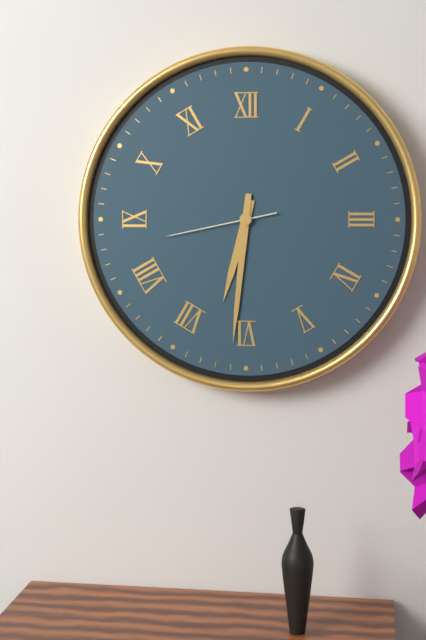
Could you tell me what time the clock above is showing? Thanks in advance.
6:31:43
